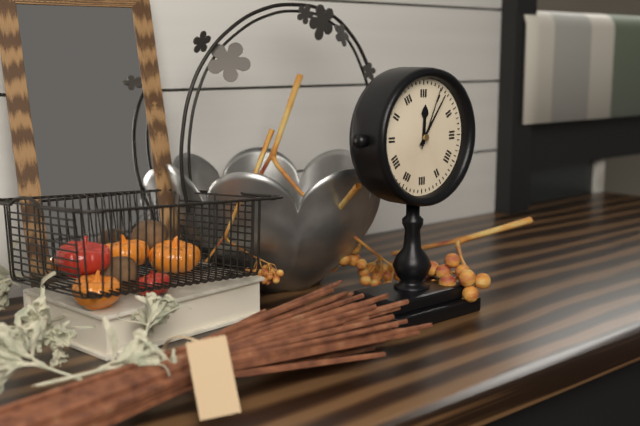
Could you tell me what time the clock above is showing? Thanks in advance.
12:06:04
